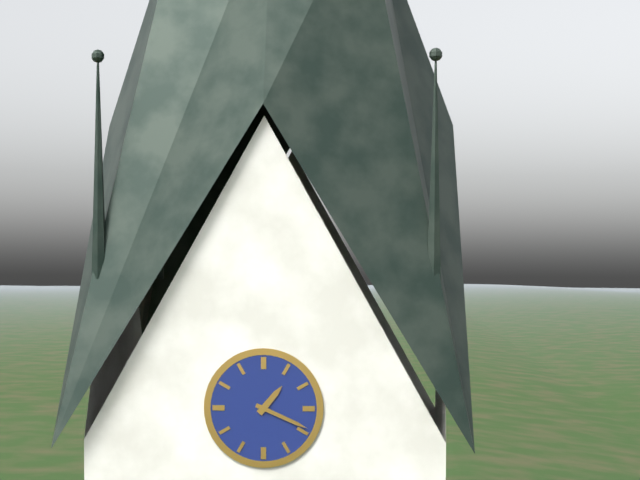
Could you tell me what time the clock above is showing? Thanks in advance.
1:19
